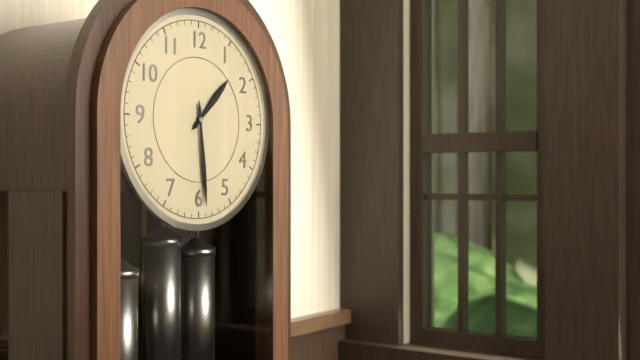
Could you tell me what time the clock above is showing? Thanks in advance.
1:29
